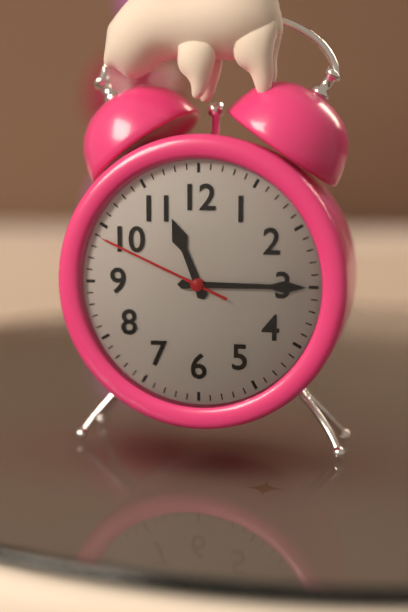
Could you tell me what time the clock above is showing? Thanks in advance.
11:15:49
